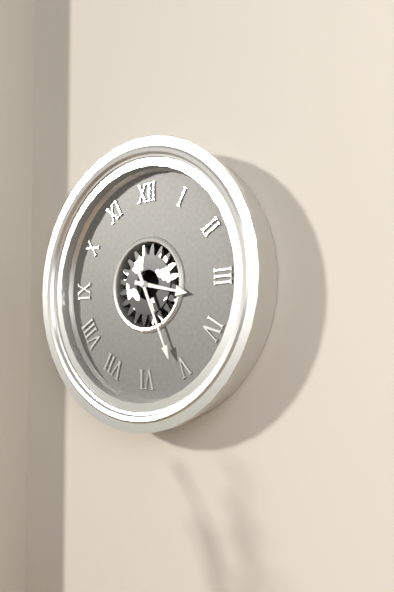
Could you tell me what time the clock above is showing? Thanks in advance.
3:26
